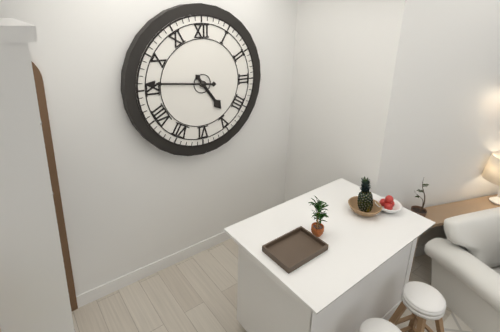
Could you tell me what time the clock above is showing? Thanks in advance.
4:46
